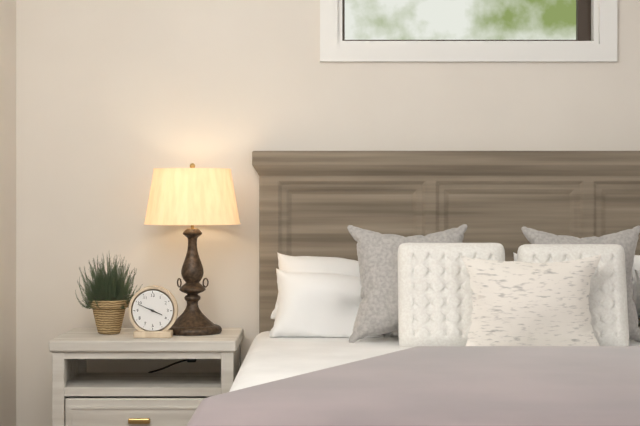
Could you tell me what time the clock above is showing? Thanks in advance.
3:49
